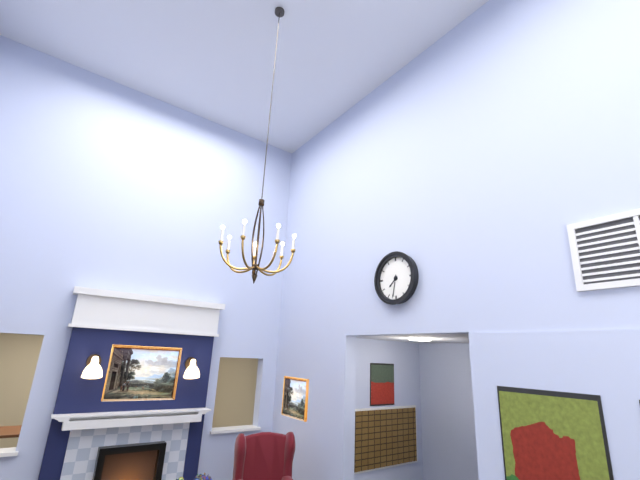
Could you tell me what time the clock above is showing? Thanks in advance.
7:32
